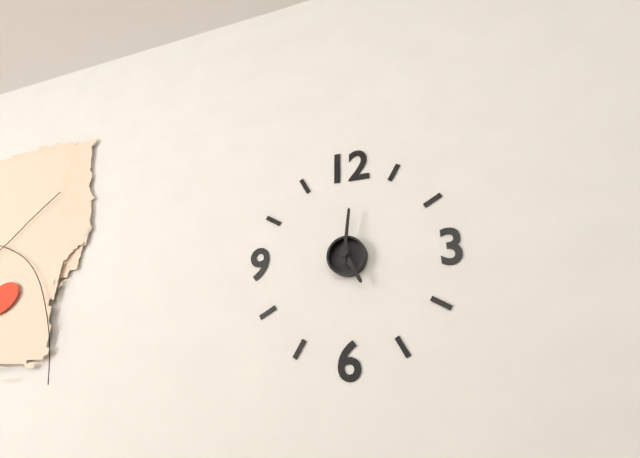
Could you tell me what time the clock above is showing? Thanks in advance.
5:01
